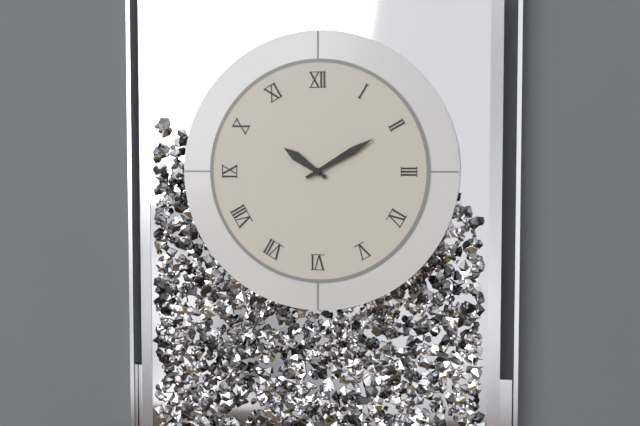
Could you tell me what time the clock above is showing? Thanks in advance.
10:10
